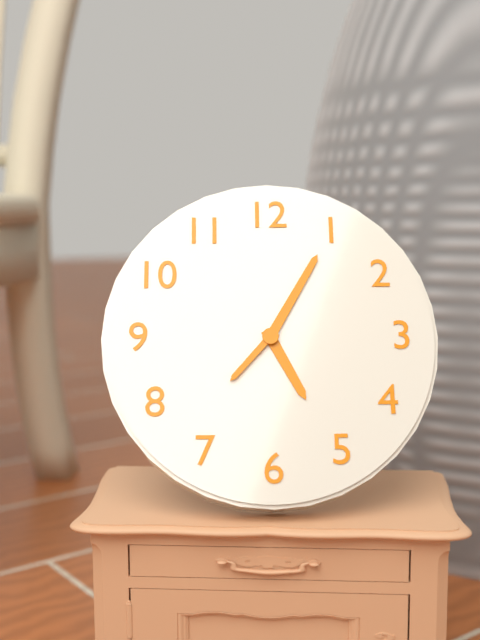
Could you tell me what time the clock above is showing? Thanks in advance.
5:05:37
